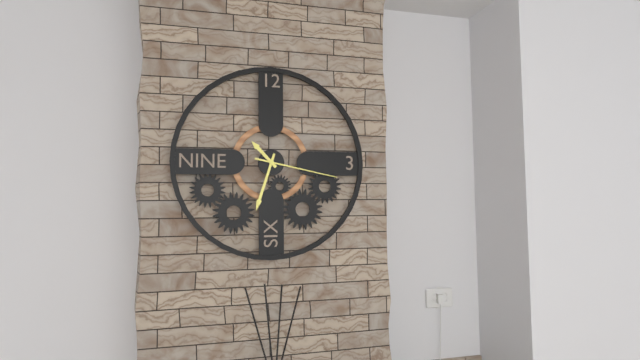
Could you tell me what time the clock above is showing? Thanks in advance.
10:33:17
